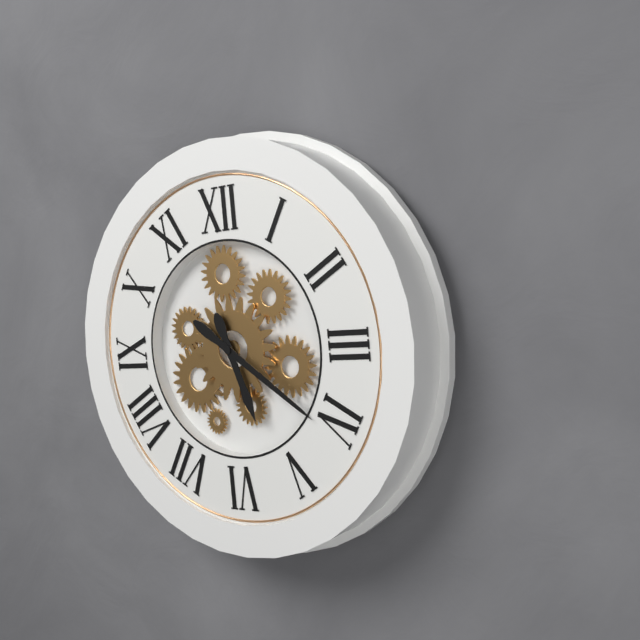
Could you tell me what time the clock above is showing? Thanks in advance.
5:21
